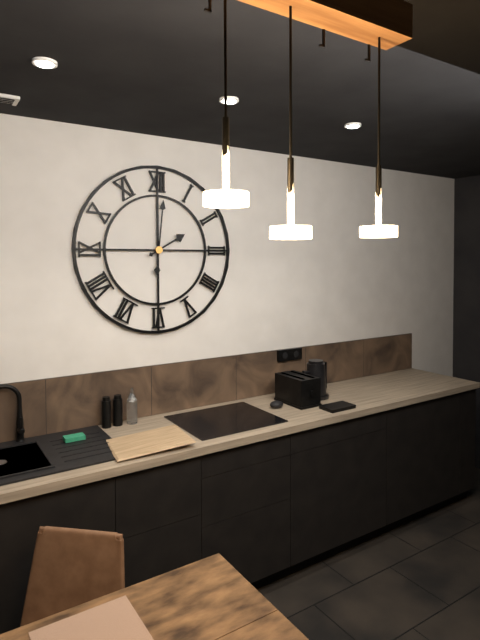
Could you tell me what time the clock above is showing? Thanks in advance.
2:01
